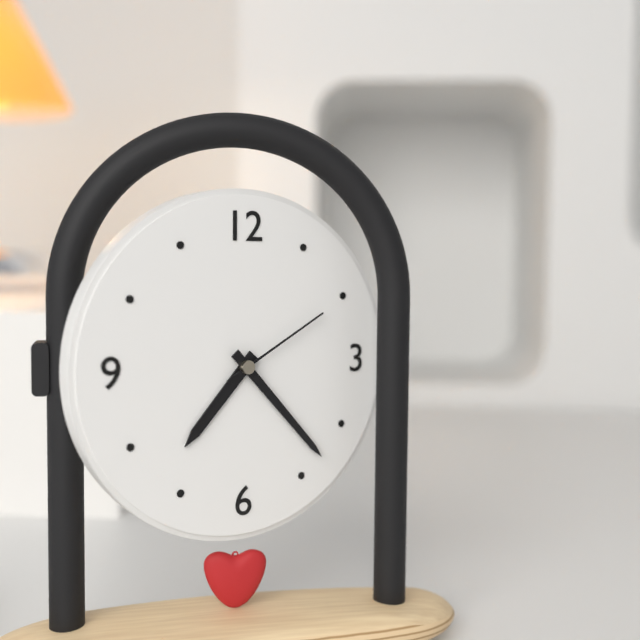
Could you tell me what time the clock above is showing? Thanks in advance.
7:23:10
